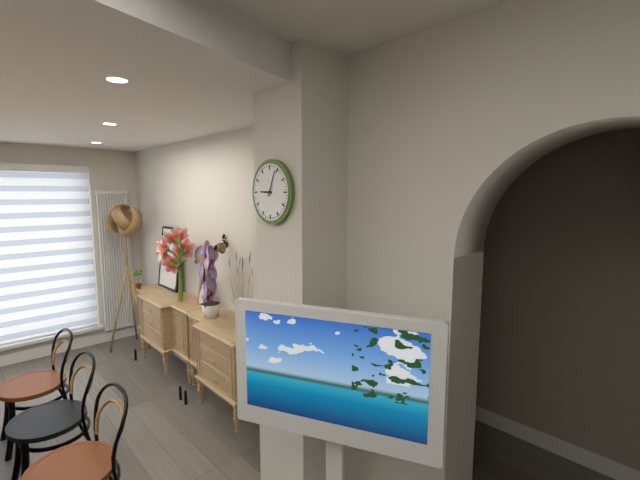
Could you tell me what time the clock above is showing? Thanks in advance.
9:04
